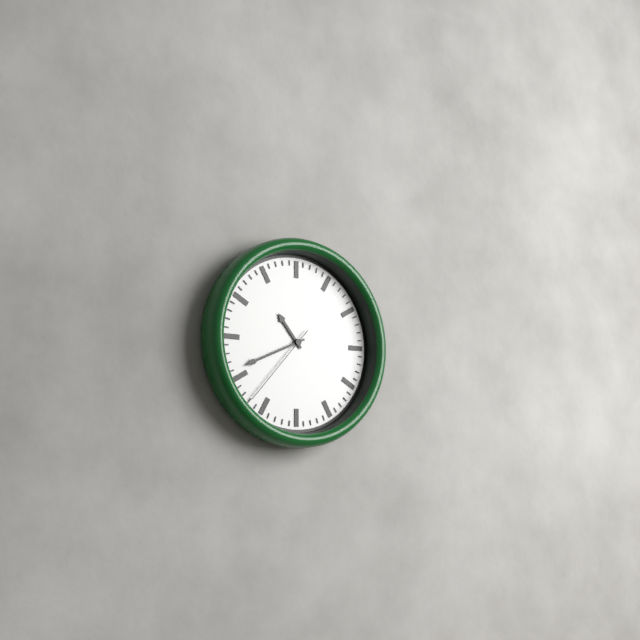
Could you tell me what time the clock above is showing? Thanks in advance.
10:41:37
